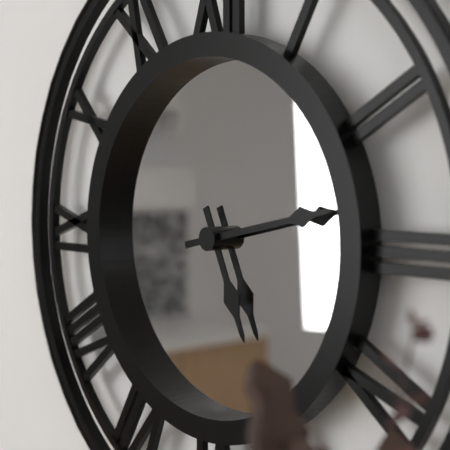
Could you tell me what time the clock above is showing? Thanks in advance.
5:13
